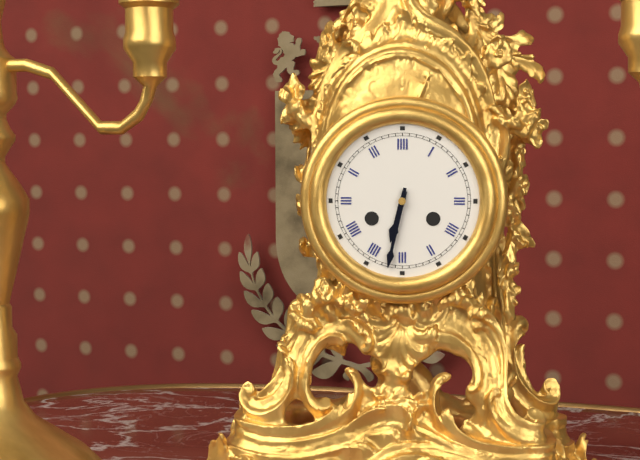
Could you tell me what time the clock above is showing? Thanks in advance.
6:32
